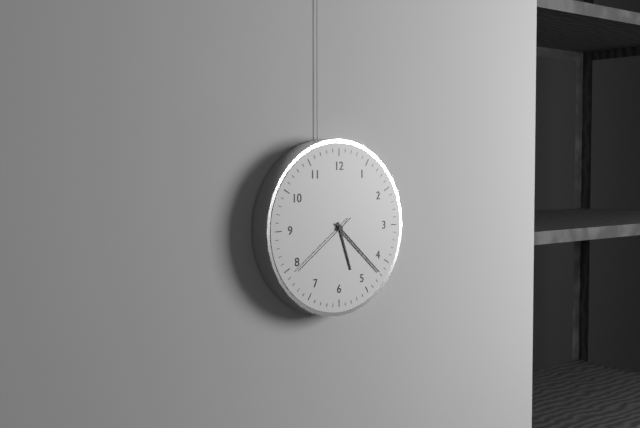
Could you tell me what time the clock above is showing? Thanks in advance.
5:22:39
